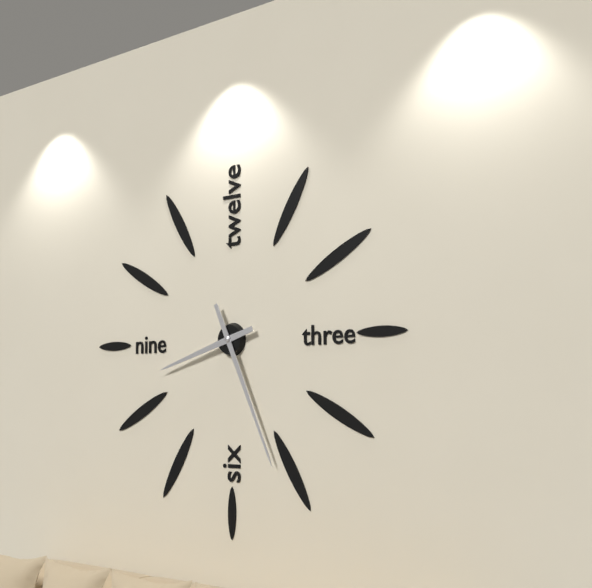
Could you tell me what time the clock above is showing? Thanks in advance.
8:26
